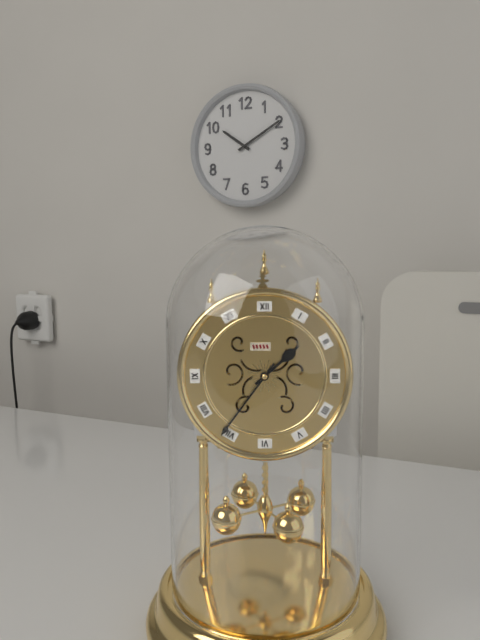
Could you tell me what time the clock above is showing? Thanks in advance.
1:36
